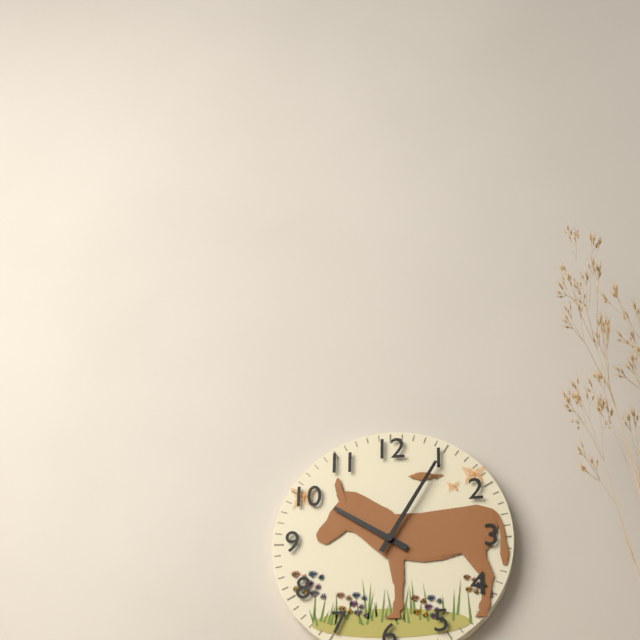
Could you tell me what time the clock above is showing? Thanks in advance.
10:05
